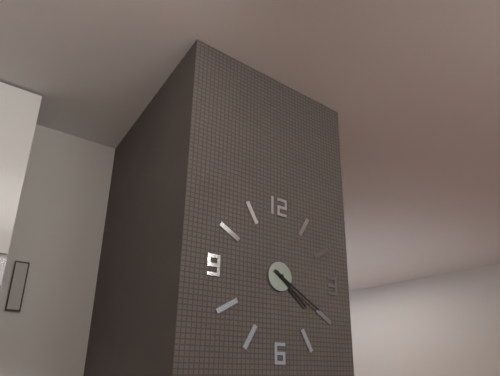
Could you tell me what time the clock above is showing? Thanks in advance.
4:20
